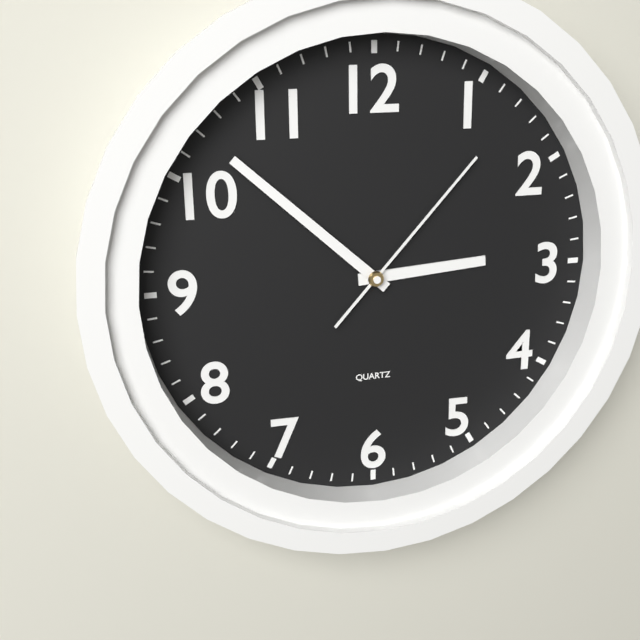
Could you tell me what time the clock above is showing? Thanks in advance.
2:52:07
